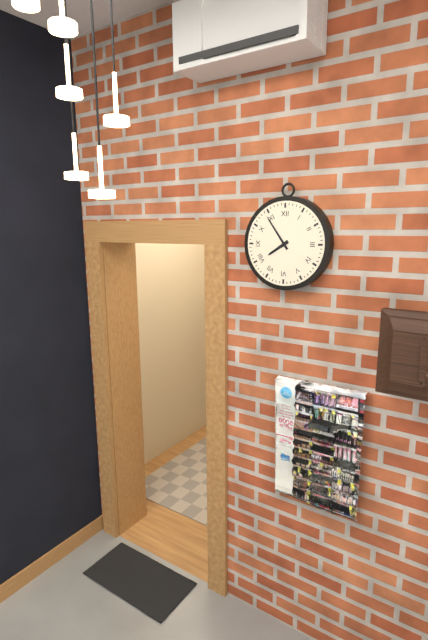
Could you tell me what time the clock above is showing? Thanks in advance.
7:54
